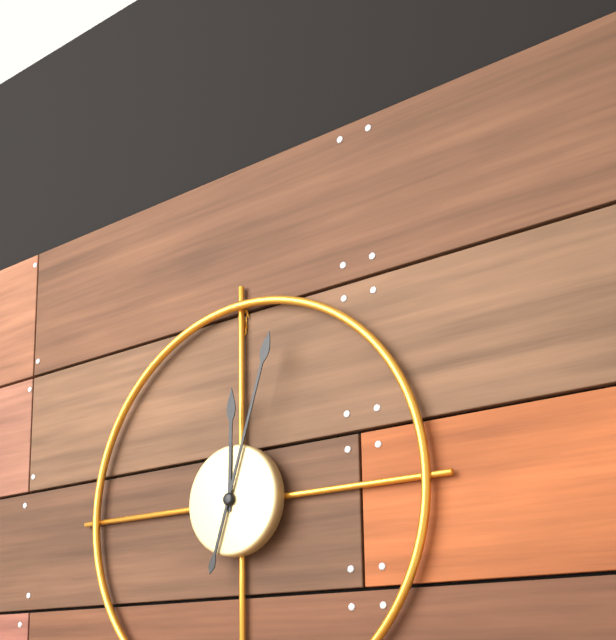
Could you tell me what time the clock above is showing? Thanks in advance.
12:03
